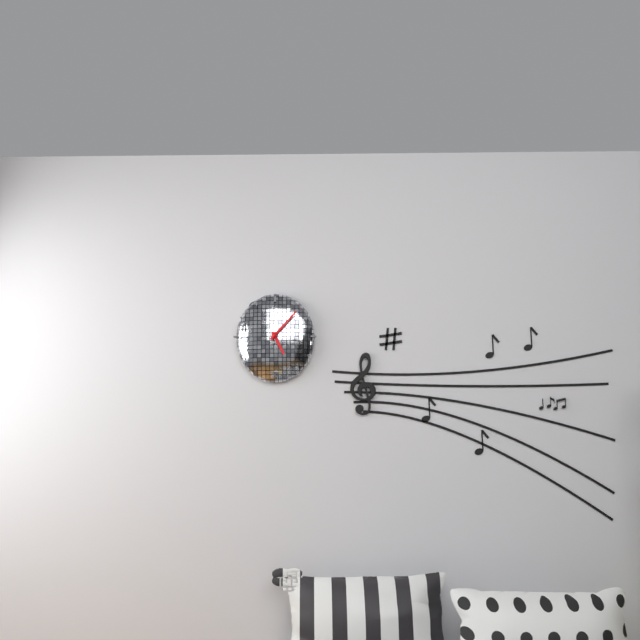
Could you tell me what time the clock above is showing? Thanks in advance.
5:07
